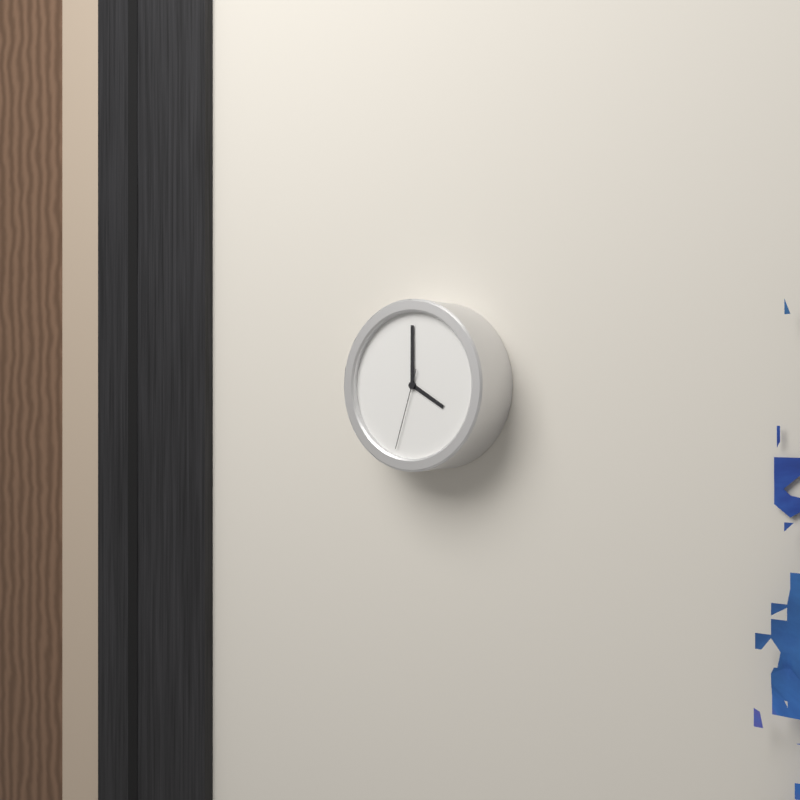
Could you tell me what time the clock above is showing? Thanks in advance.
4:00:33
